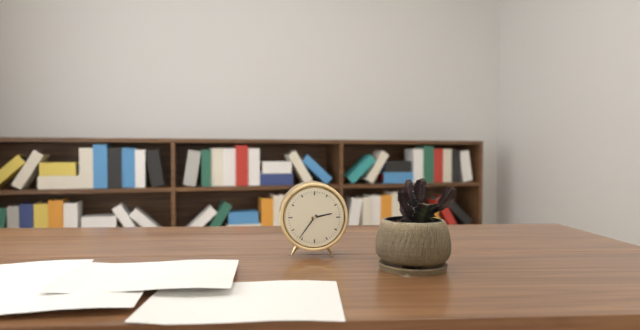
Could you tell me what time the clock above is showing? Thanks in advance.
2:36
